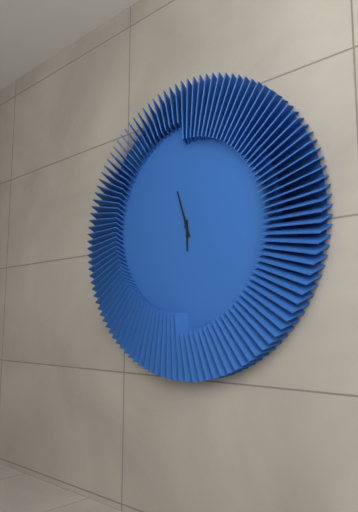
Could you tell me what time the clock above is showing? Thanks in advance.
5:57
